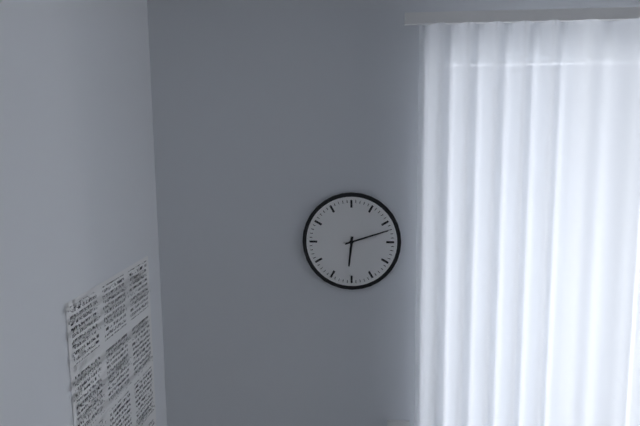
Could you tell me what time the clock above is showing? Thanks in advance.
6:12
